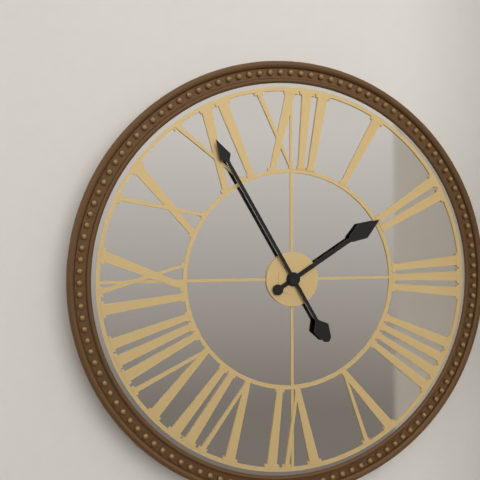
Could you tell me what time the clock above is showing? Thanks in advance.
1:55
